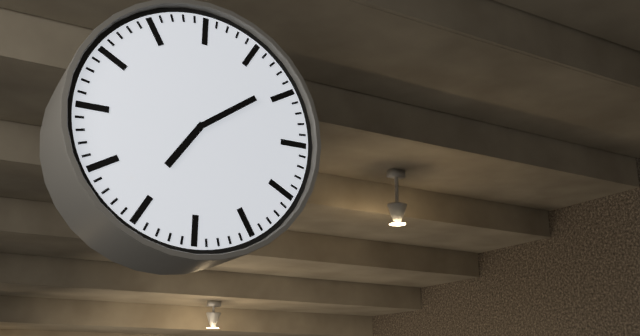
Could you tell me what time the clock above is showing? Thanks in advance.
7:09
